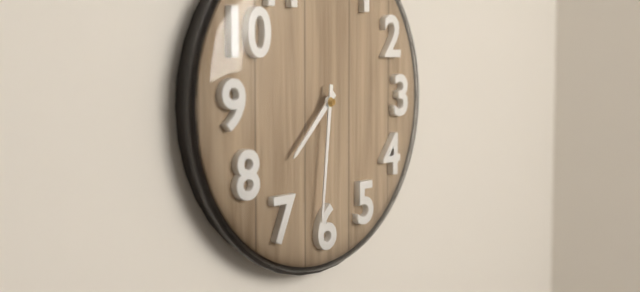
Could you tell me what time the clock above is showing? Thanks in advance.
7:31
